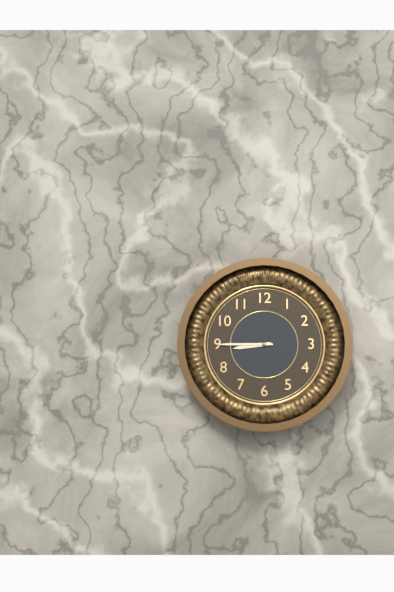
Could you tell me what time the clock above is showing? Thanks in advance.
8:45
